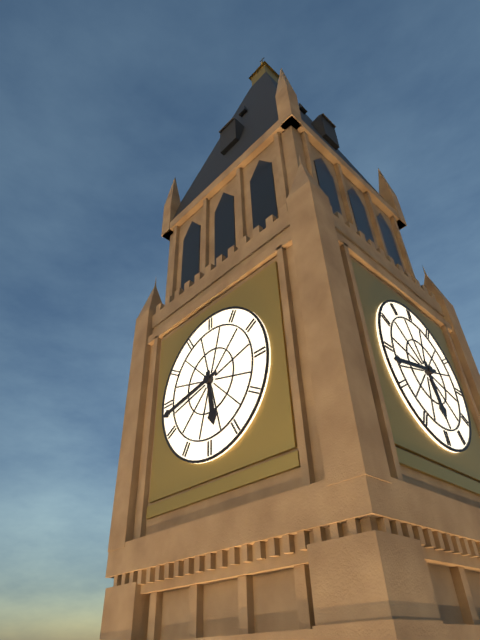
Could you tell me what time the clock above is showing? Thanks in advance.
5:43
